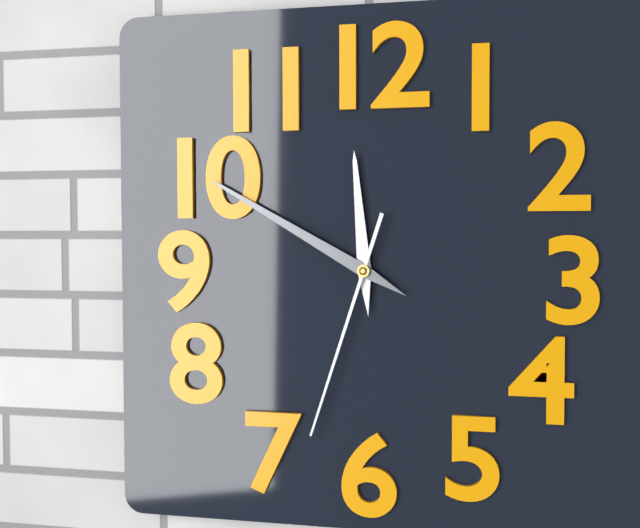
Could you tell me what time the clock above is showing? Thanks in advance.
11:50:33
